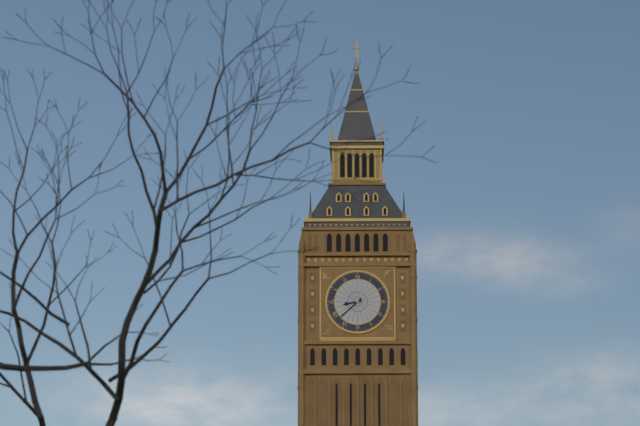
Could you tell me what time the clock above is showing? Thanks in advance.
8:38
